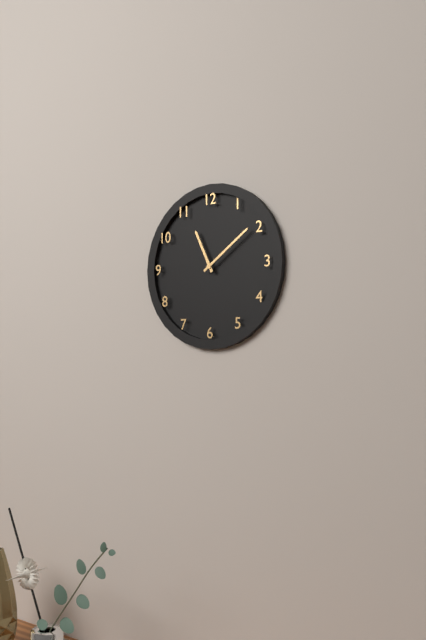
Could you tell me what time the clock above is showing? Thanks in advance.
11:09
